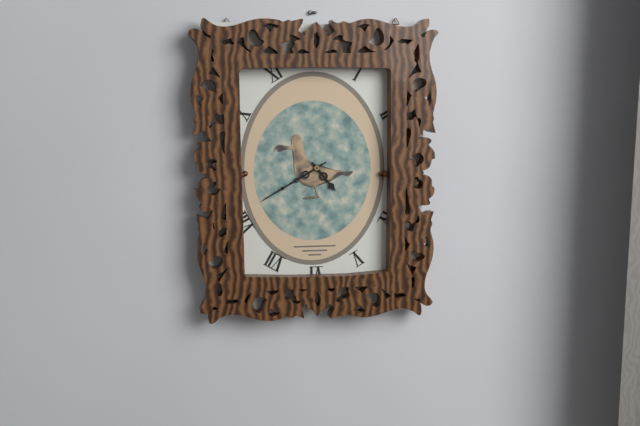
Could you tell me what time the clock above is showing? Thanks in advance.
4:40
